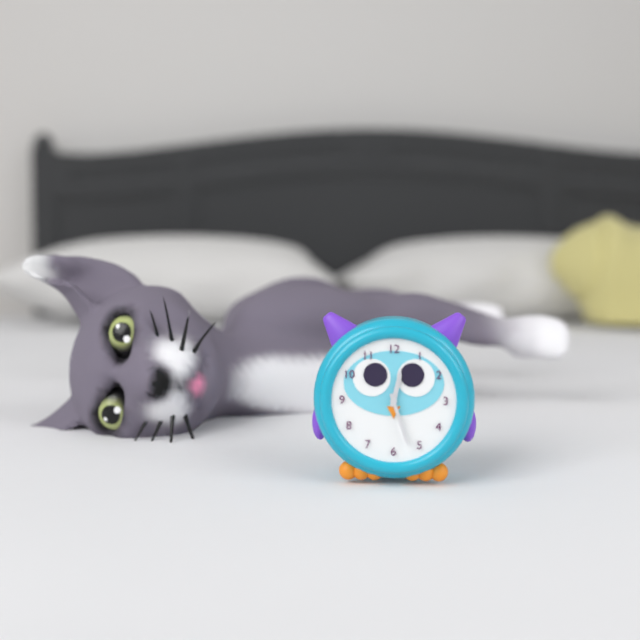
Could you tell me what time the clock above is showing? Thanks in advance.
12:27
